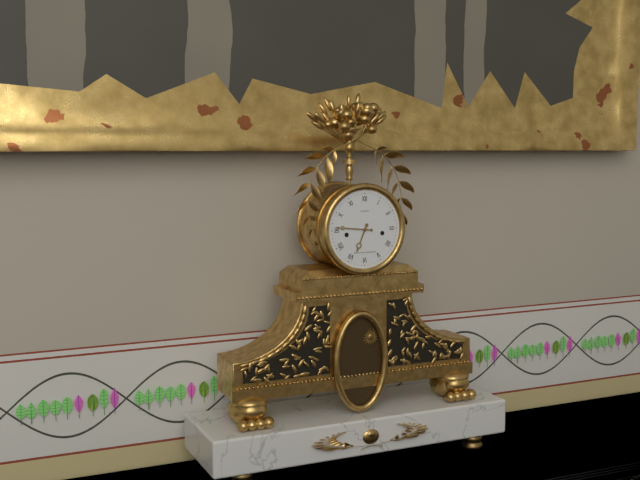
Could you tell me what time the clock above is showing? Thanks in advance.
6:46
